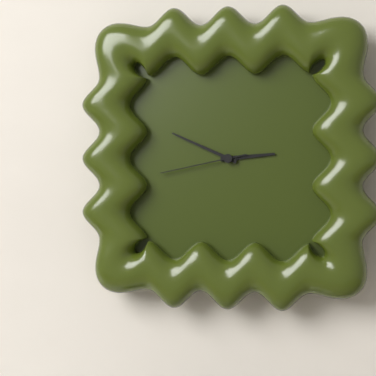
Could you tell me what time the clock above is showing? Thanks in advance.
2:49:43
